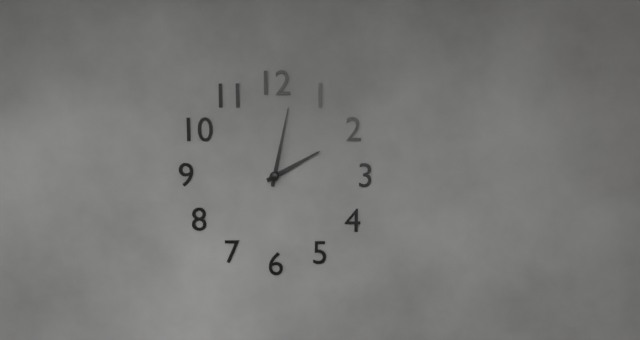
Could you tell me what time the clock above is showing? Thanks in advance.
2:02
